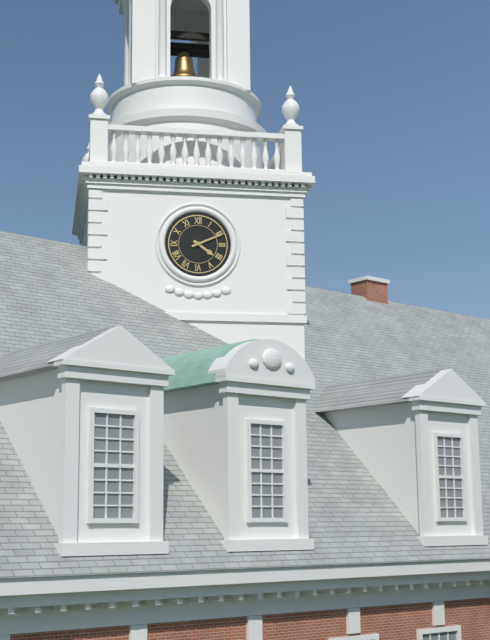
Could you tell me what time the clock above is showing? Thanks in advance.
4:11
